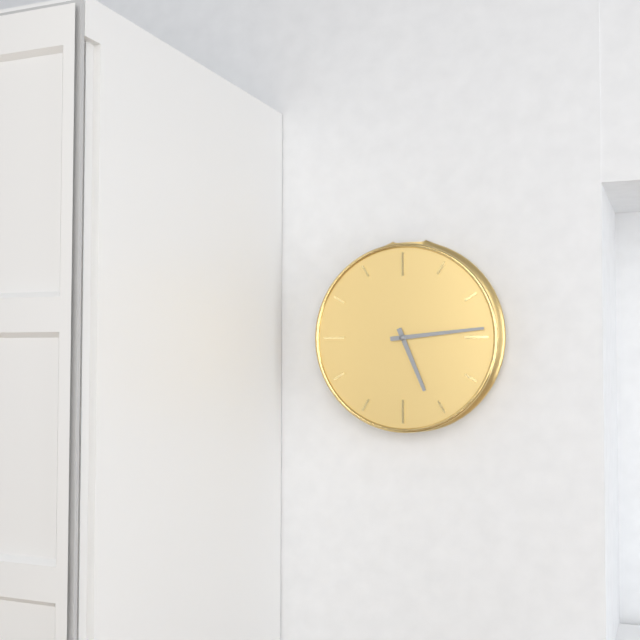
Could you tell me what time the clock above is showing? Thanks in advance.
5:14
